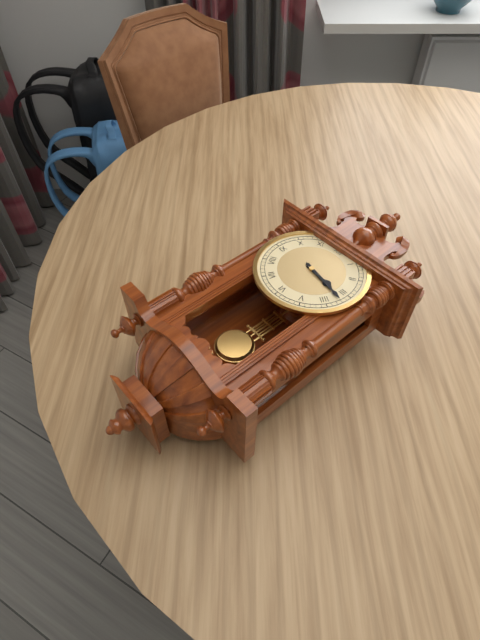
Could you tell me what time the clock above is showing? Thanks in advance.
3:17
